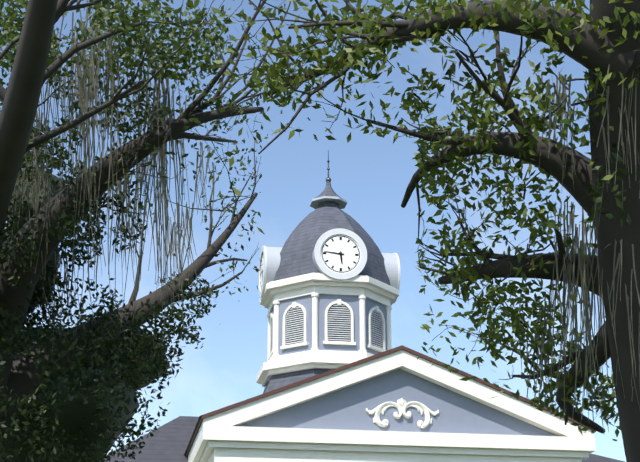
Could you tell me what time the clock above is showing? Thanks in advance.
5:46
